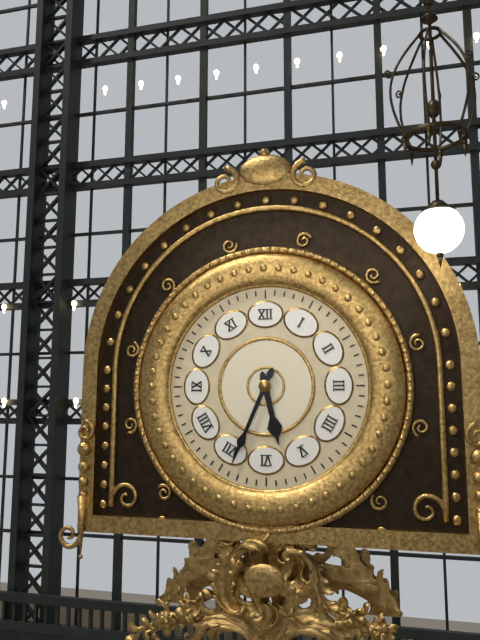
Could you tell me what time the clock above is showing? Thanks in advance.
5:34
